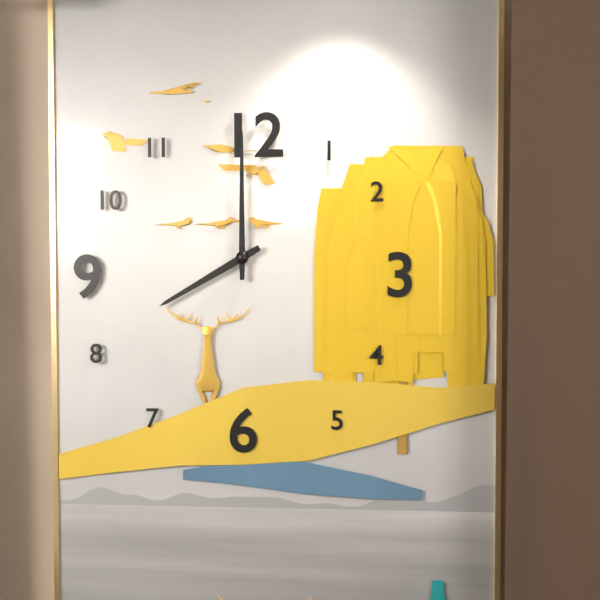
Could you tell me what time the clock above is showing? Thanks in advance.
8:00
